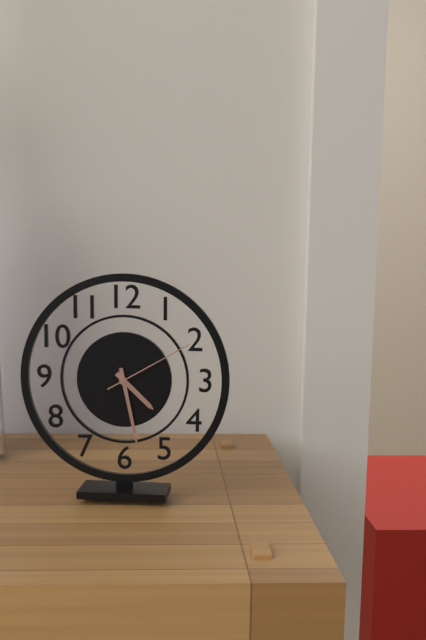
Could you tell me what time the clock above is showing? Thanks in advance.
4:28:10
